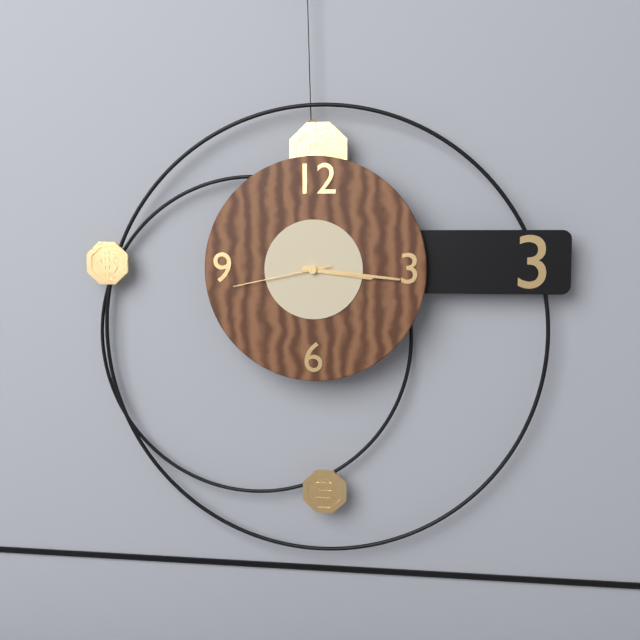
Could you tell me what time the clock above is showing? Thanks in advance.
3:16:43
